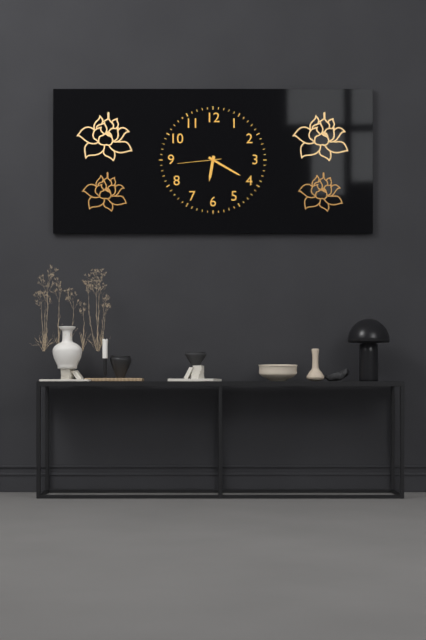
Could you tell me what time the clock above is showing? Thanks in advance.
6:20
